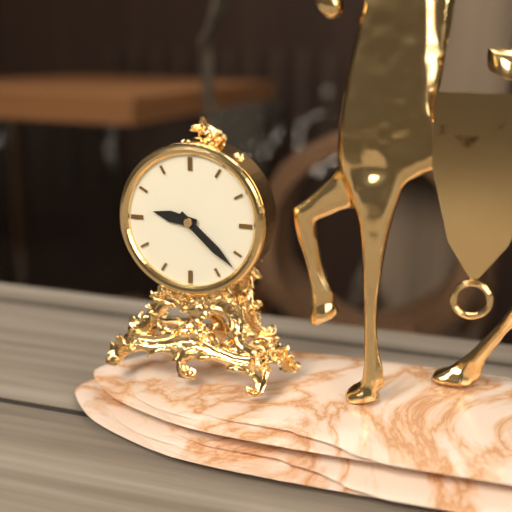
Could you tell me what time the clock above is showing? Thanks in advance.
9:22
